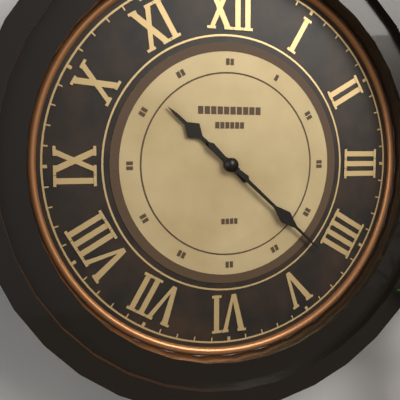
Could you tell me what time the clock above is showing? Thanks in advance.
10:22
